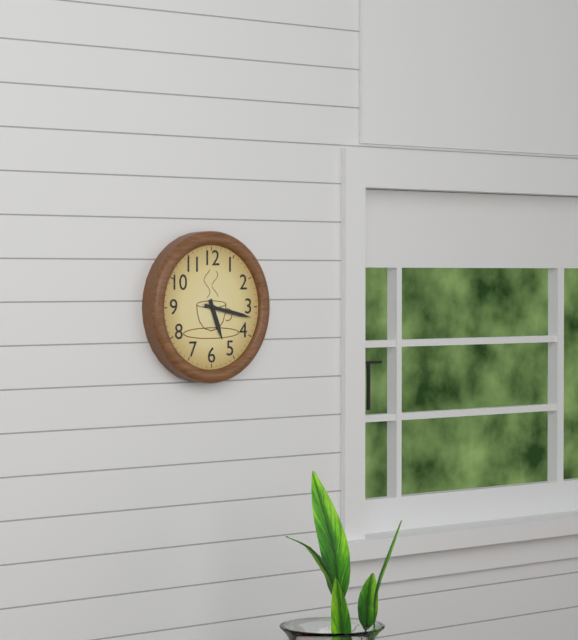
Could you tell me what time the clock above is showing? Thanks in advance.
5:17
